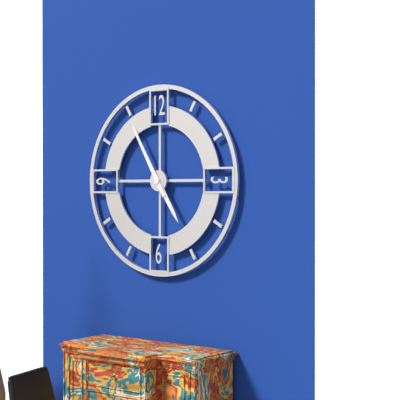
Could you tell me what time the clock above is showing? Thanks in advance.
4:55
